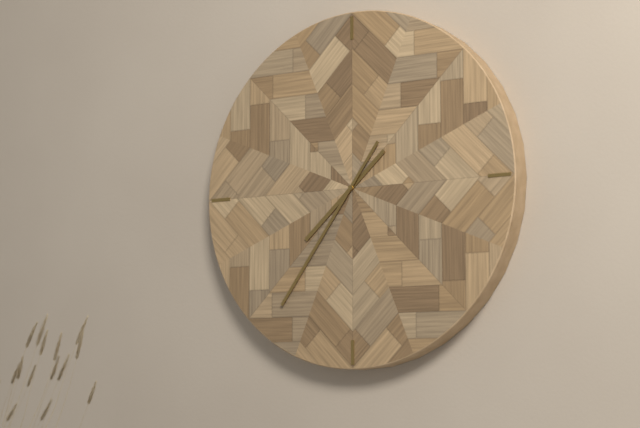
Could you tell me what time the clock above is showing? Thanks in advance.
7:36
